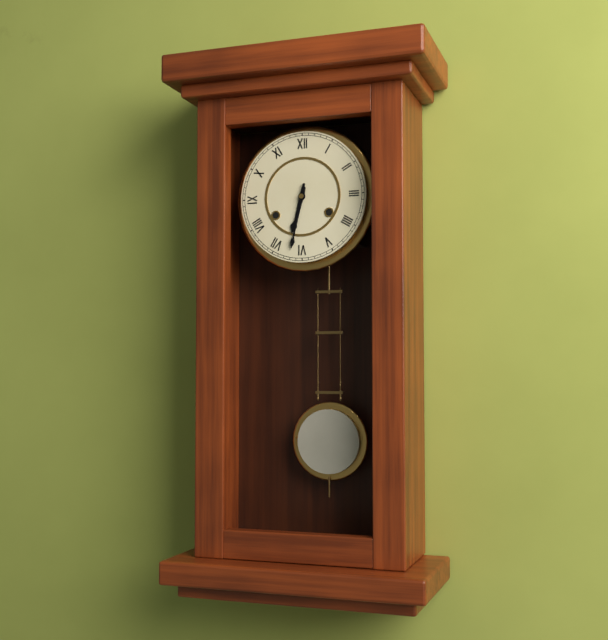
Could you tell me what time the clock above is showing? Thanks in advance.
6:32
